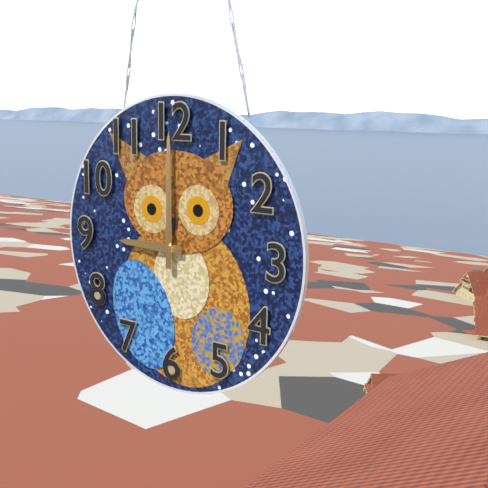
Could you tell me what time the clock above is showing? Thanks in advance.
9:00
